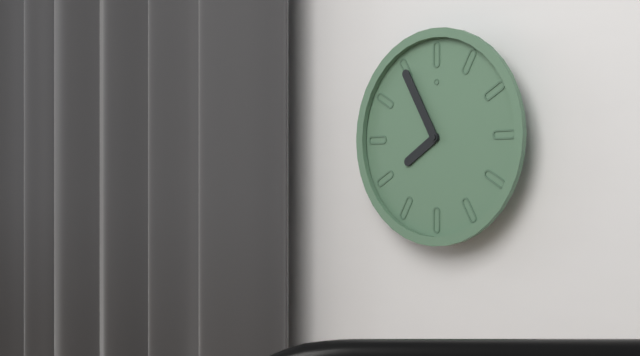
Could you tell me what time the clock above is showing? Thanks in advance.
7:55
